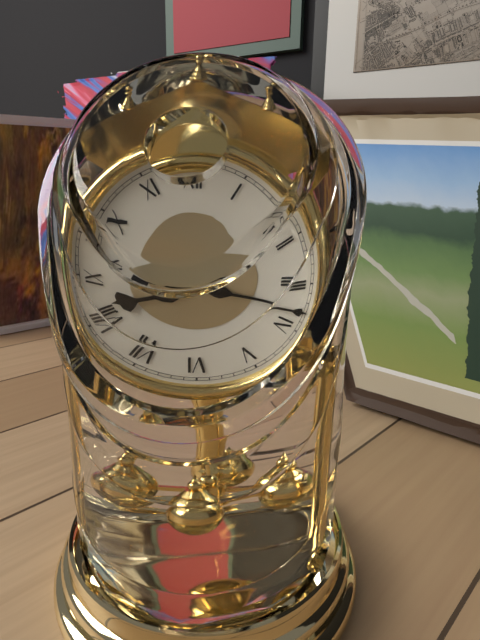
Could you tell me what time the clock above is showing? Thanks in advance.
8:18
